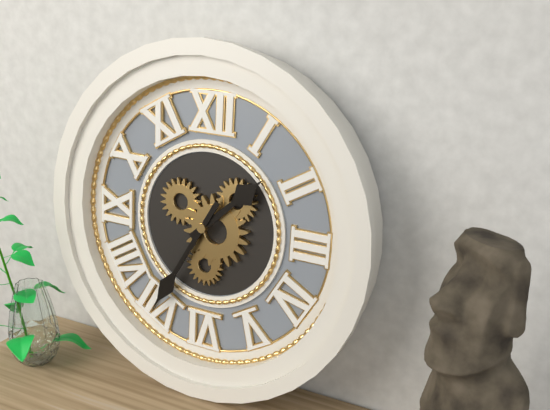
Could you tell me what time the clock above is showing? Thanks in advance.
1:35
